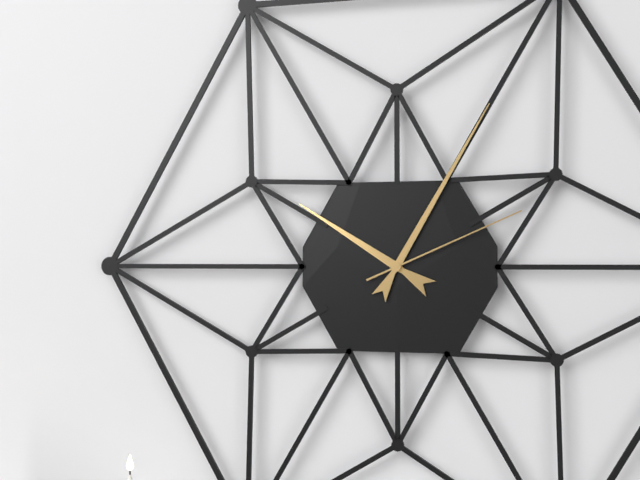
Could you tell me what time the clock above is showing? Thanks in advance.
10:05:11
